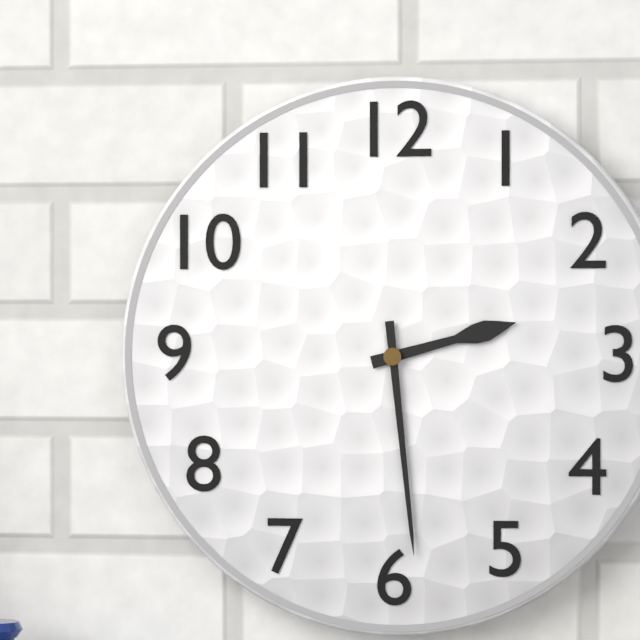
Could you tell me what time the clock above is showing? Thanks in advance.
2:29
